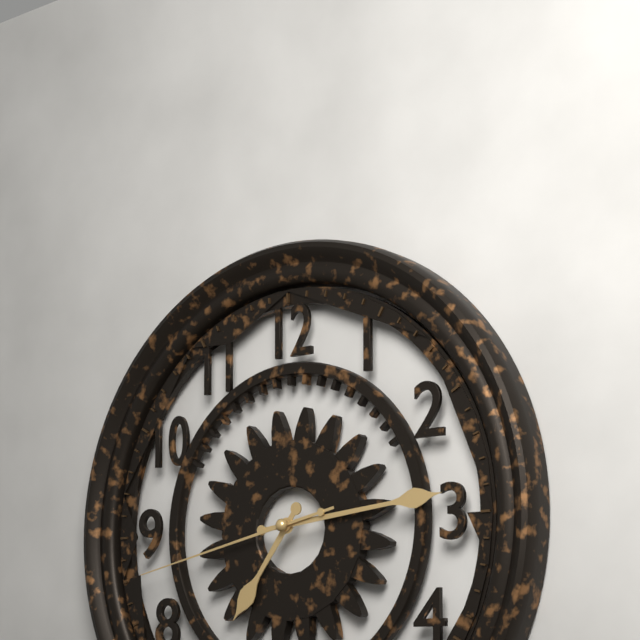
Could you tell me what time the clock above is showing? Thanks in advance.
7:14:43
